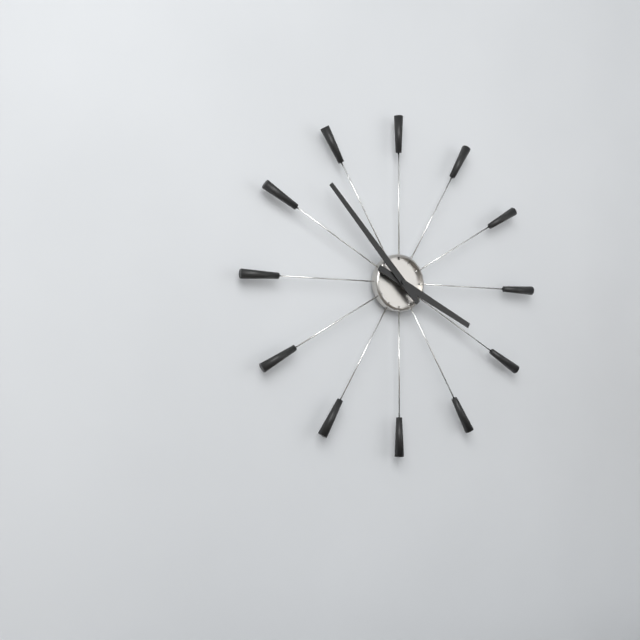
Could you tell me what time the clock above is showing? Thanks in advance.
3:53
